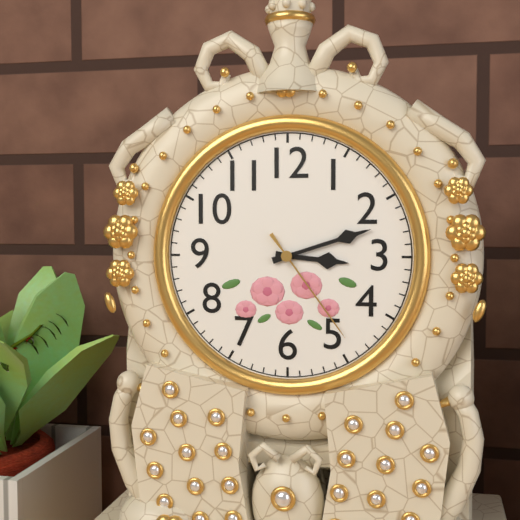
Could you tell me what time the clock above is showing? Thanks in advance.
3:12:24
